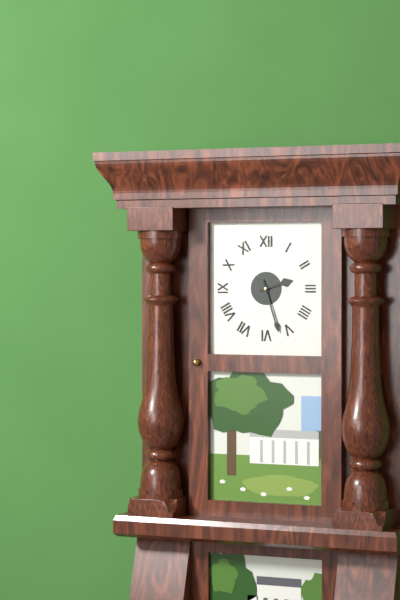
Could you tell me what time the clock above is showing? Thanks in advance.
2:27
